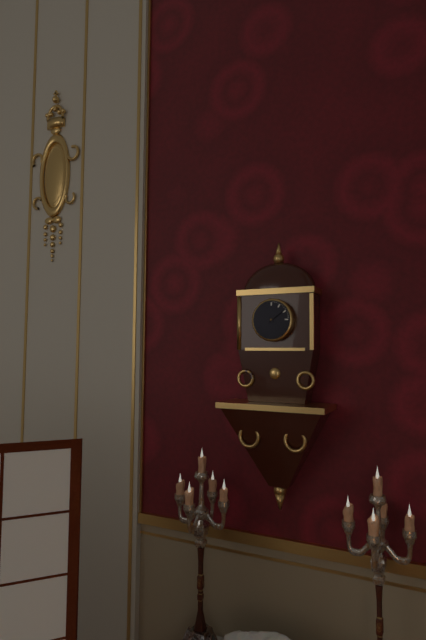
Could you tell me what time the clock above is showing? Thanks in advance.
10:09
